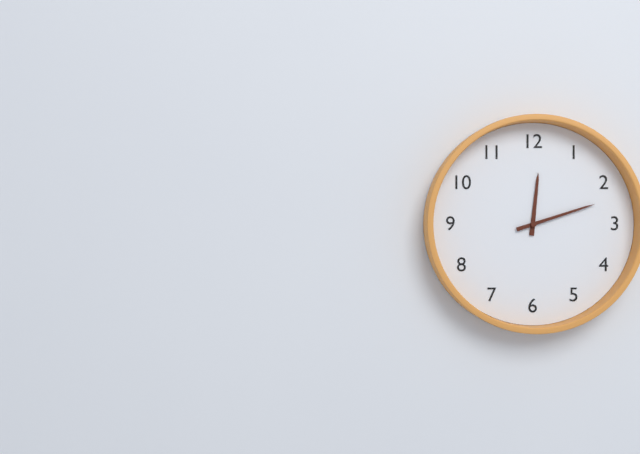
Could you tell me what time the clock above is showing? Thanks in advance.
12:12
